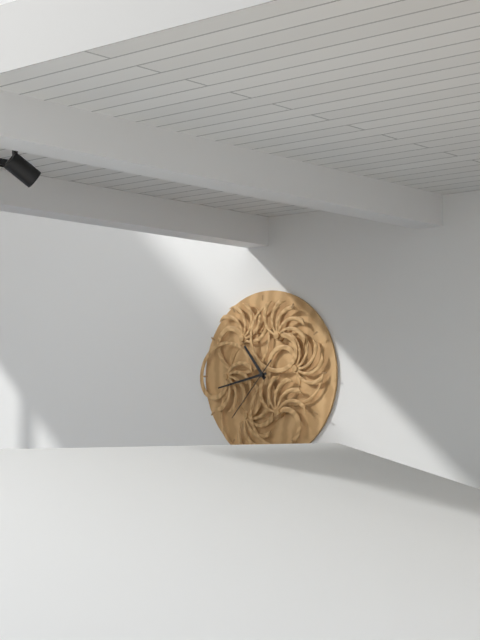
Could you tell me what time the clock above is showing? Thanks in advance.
10:43:37
